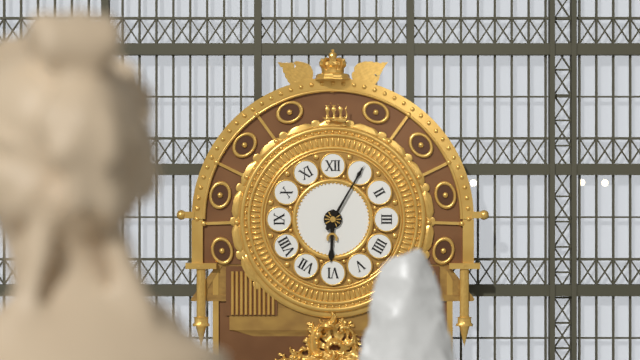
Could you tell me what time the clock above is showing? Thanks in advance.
6:05
